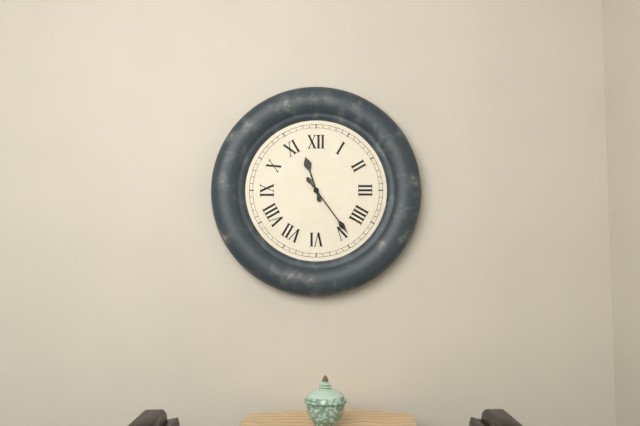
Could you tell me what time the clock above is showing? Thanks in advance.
11:24
